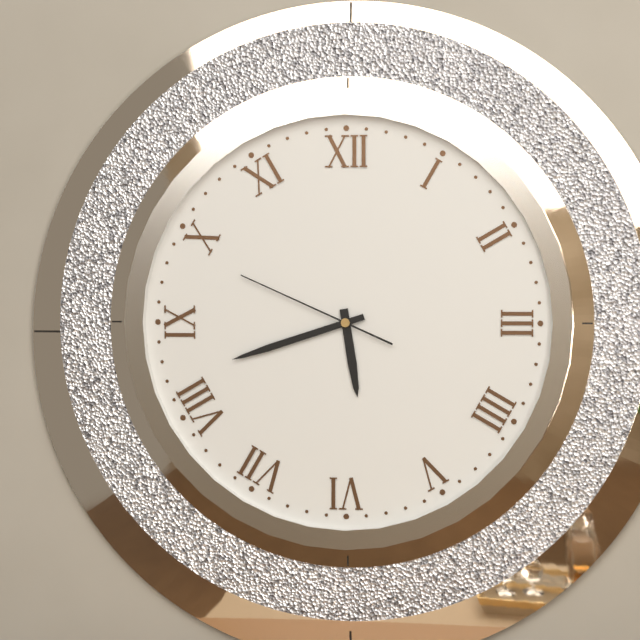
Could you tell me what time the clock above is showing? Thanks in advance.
5:42:49
